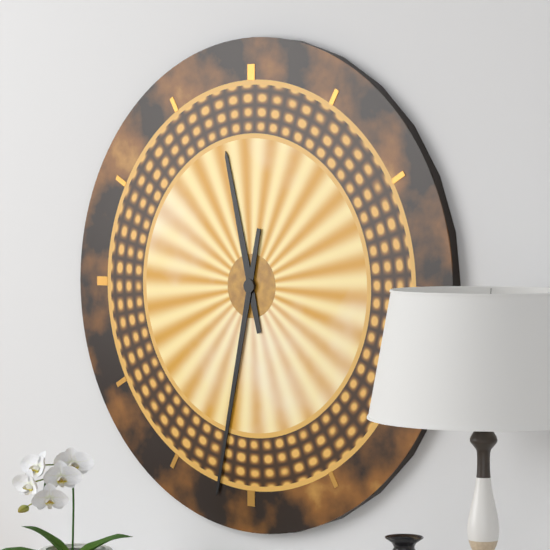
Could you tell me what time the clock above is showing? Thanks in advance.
11:32
